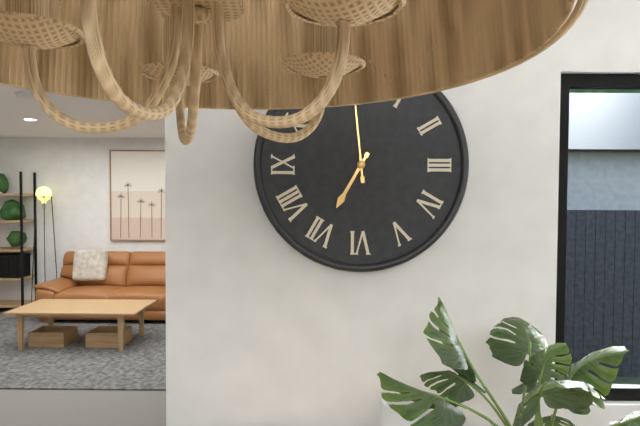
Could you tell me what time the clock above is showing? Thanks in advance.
6:59
